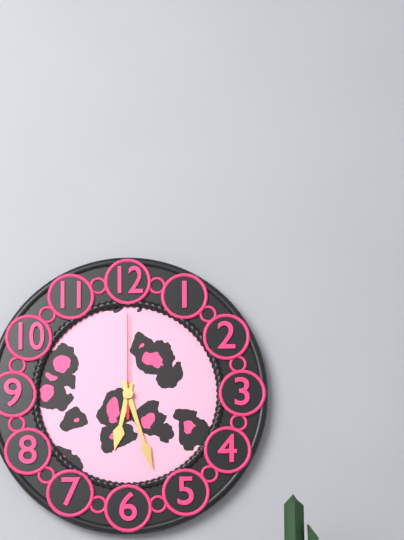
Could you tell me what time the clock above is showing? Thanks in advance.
6:27:00
